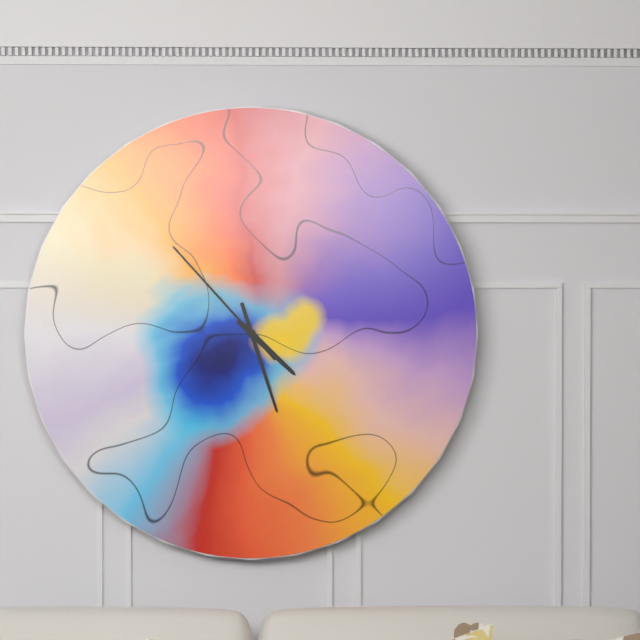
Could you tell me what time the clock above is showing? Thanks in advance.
4:27:53
